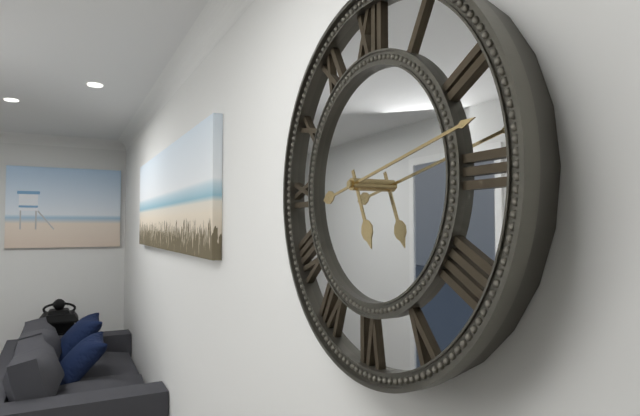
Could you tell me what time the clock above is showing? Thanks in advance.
5:13
